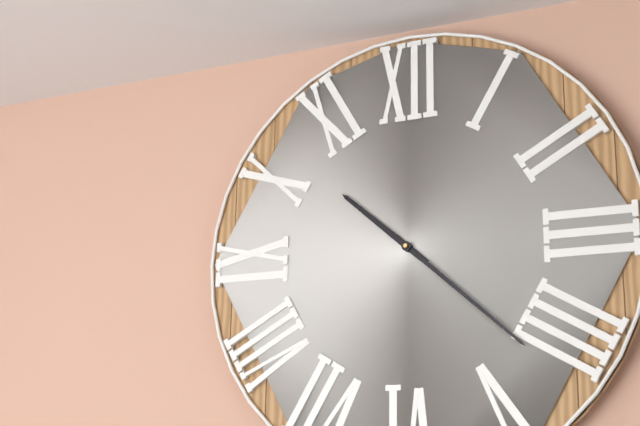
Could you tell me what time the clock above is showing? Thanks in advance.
10:22
